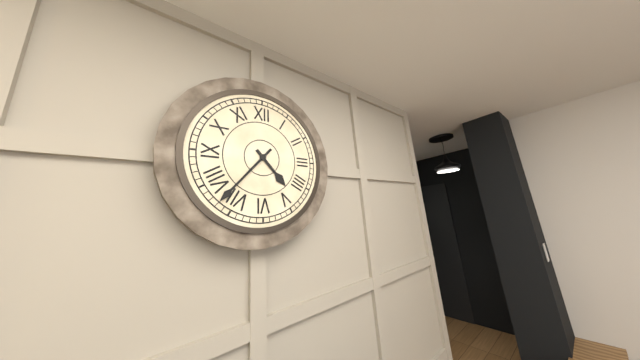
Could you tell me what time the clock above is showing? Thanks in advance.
4:37
